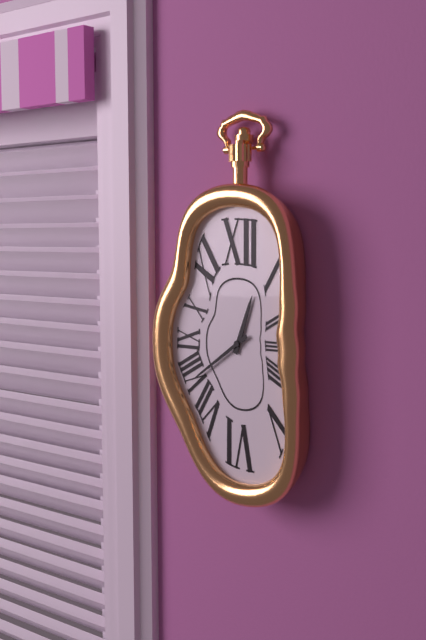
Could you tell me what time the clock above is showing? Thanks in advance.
12:39
